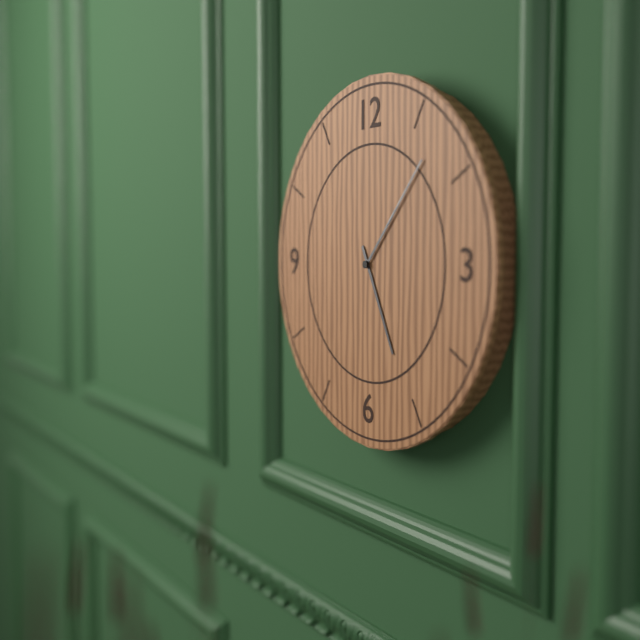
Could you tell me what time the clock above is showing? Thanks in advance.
5:07
